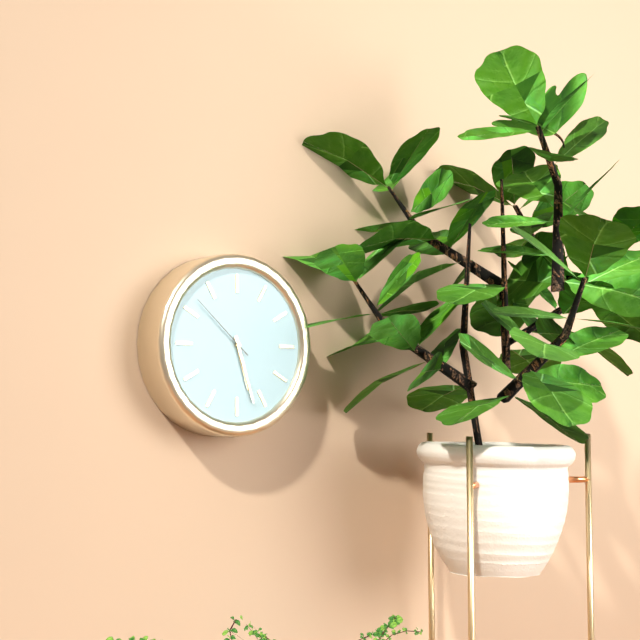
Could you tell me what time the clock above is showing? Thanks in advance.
5:27:52
